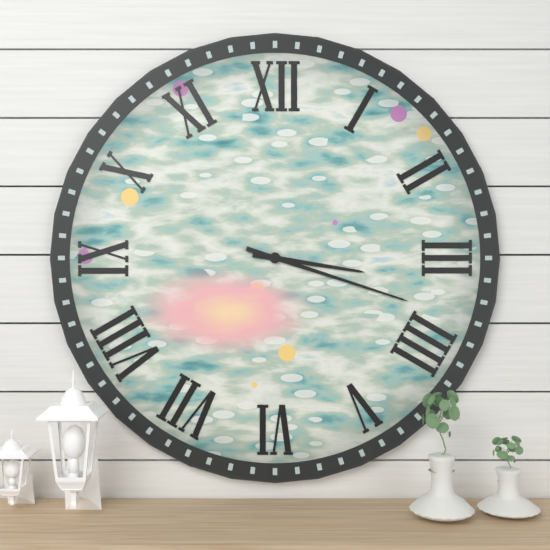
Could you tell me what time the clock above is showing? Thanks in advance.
3:18
